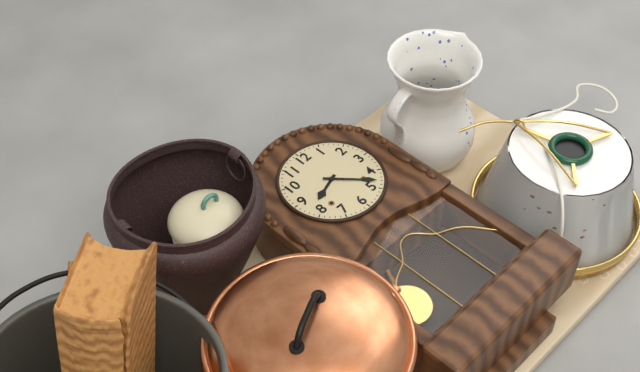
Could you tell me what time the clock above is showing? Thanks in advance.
8:23
